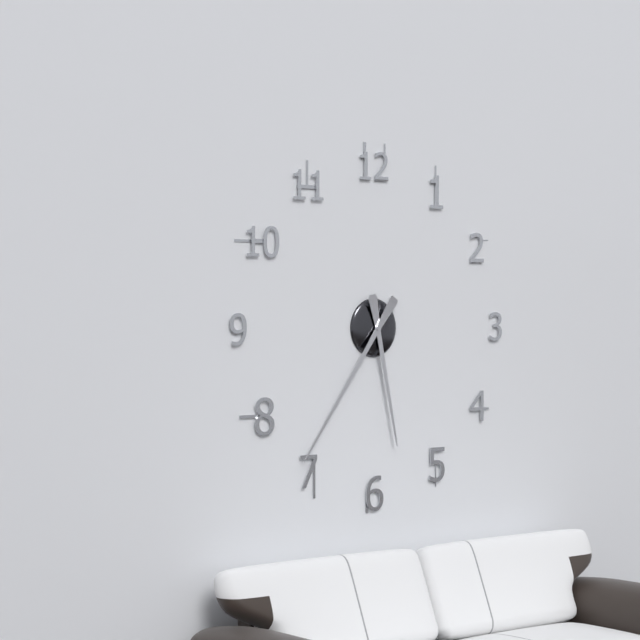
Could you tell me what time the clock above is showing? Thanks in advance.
5:36
